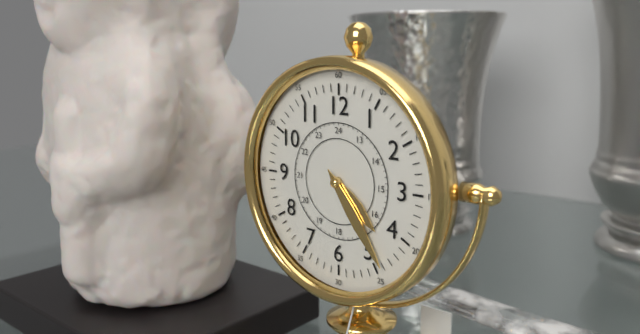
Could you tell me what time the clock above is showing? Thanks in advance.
4:24
